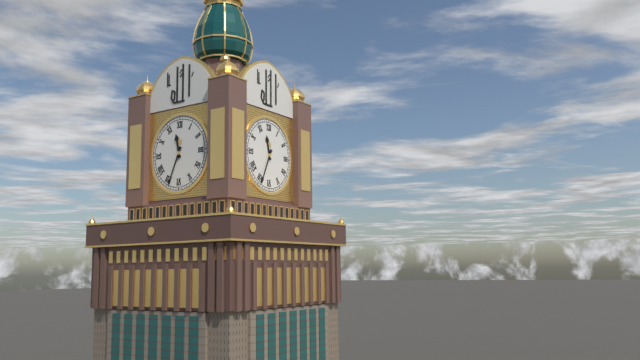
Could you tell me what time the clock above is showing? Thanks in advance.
11:34
